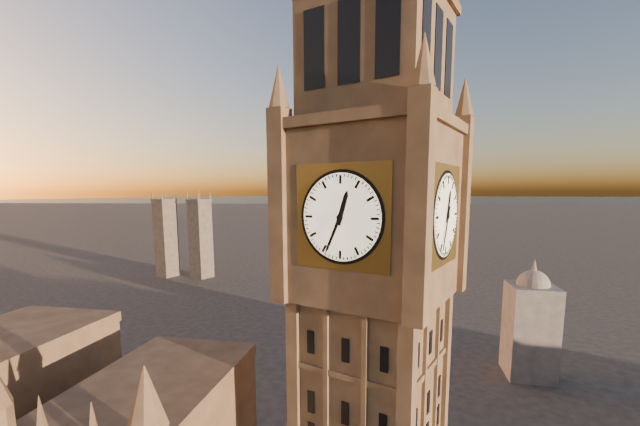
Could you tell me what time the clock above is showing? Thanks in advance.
12:34
